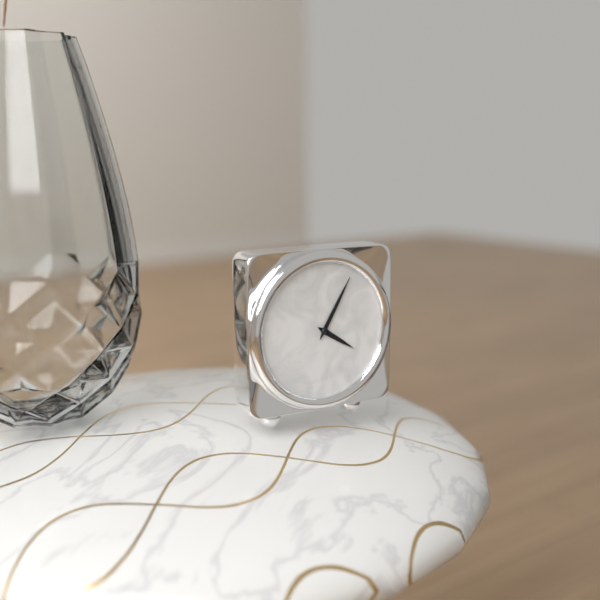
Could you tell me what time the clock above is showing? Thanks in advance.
4:05
